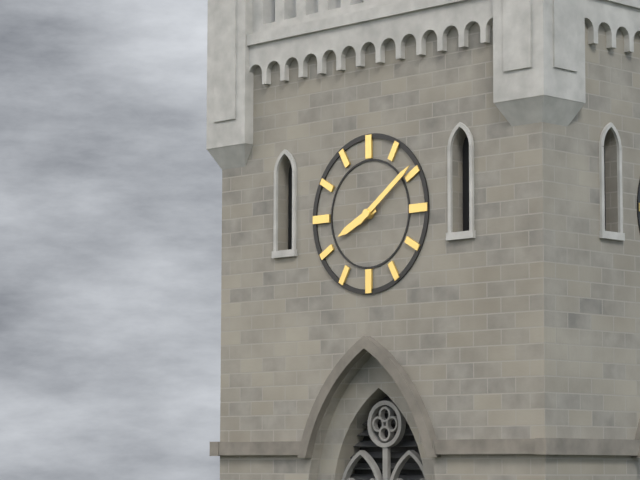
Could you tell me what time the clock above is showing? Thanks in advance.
8:09
